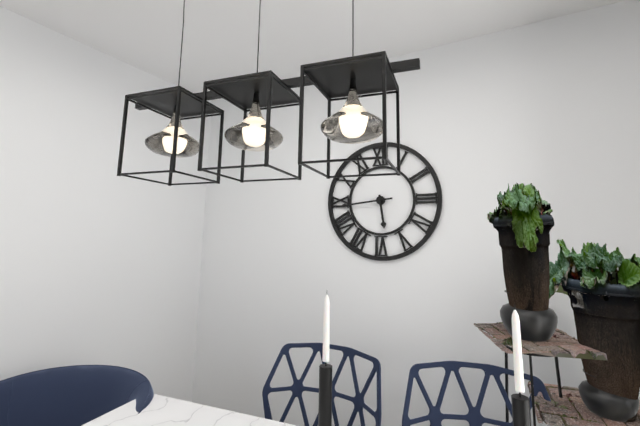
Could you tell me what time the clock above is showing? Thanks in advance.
5:44
